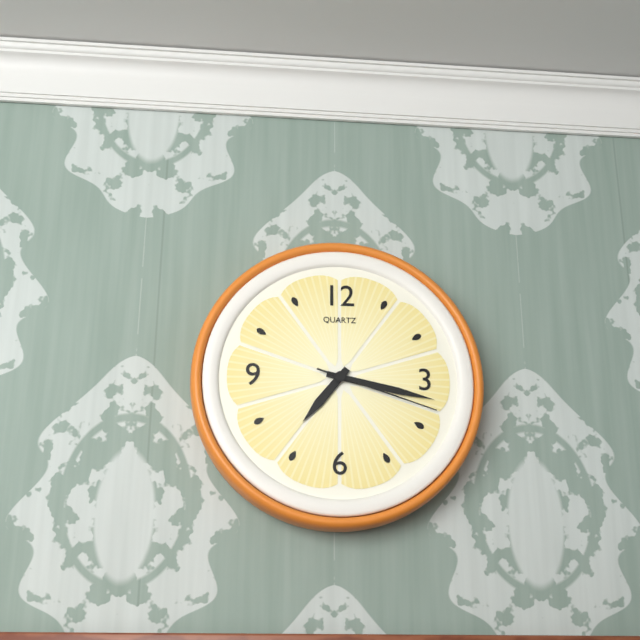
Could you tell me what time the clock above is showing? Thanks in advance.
7:17:18
